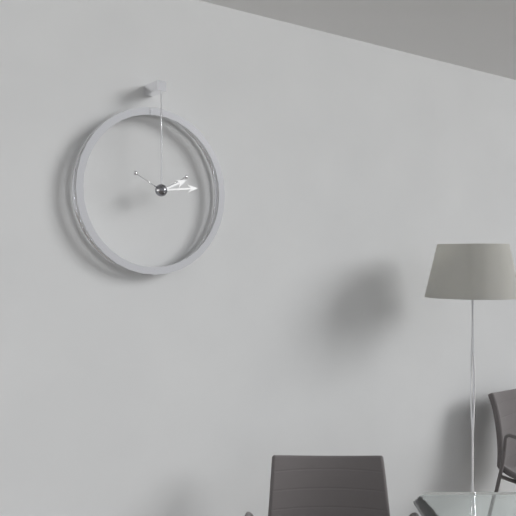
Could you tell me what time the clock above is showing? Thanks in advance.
2:14
